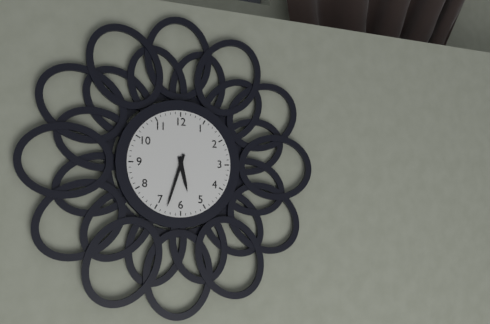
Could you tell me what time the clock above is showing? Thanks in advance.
5:33
